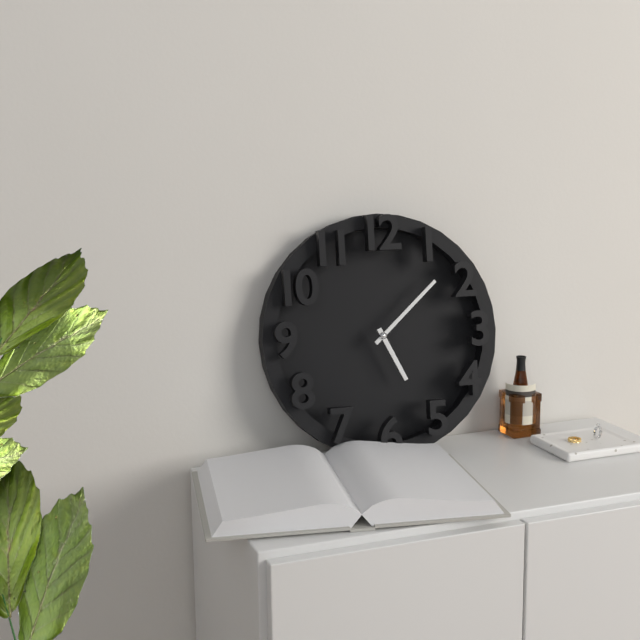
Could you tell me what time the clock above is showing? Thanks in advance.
5:08
